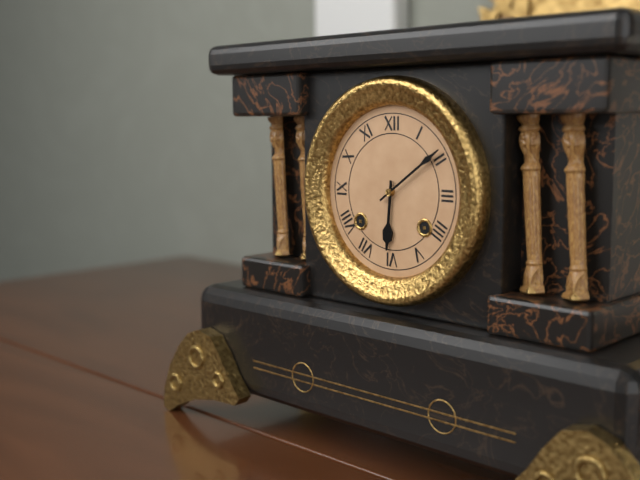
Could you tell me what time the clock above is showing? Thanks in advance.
6:09
